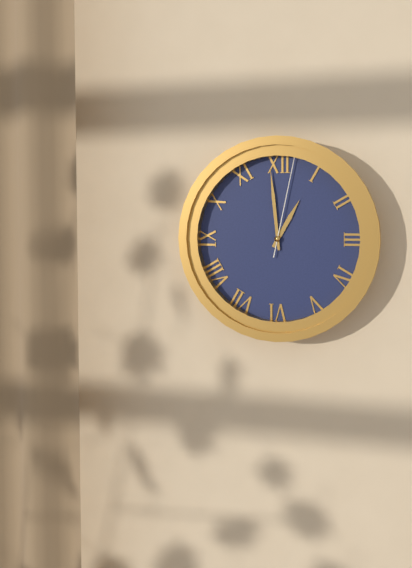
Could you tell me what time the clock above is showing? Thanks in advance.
12:59:02
